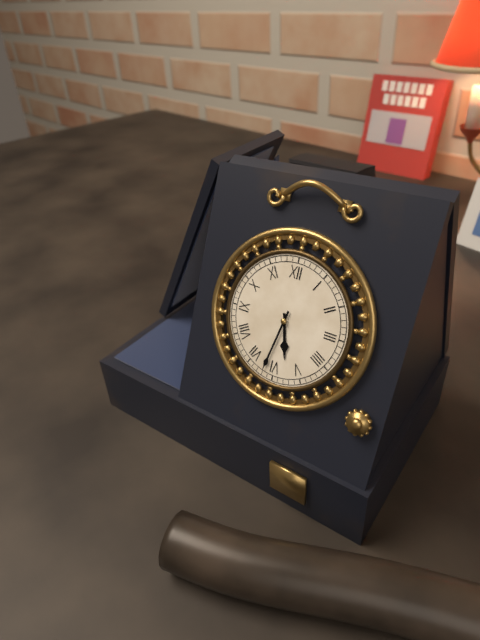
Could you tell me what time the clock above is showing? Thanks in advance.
5:32
